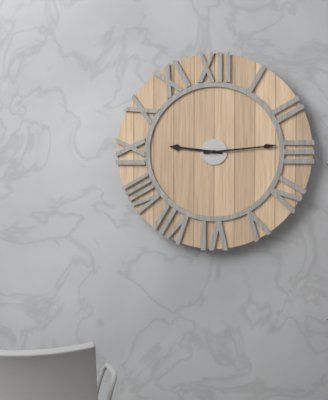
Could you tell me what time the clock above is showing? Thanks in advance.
9:14
